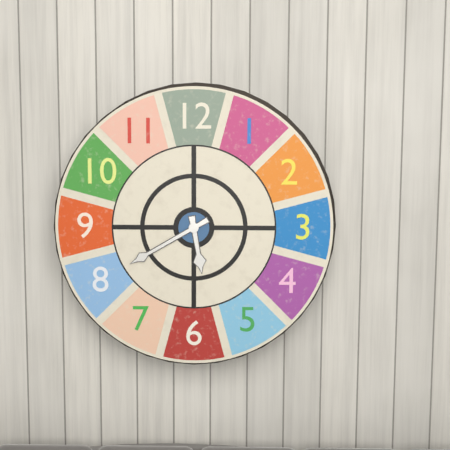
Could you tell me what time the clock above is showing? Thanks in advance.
5:40
